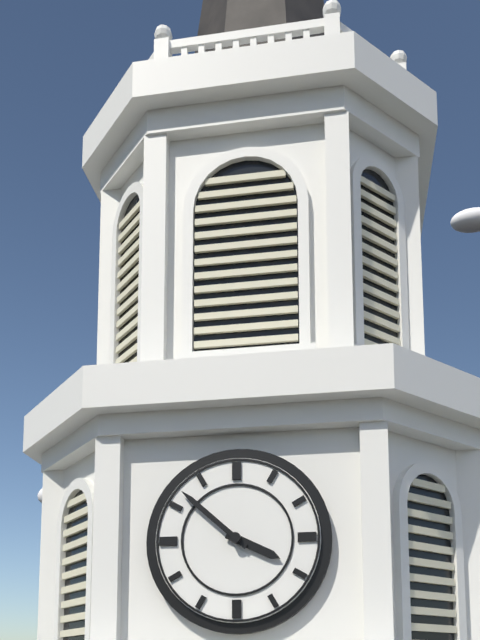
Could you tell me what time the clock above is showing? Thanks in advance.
3:52
